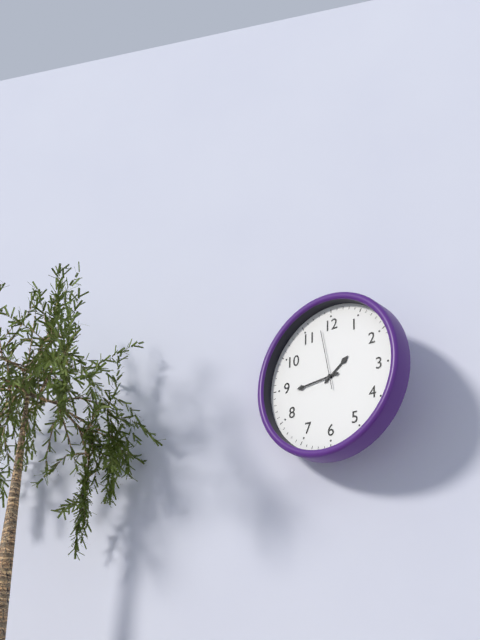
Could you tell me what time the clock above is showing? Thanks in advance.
1:44:58
